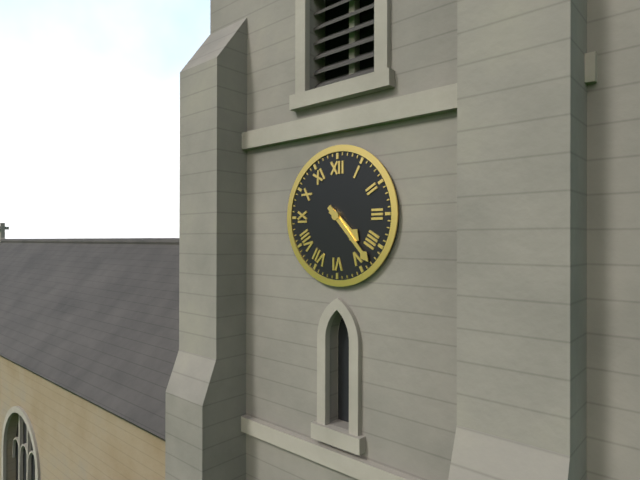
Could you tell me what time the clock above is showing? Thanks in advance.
4:23
